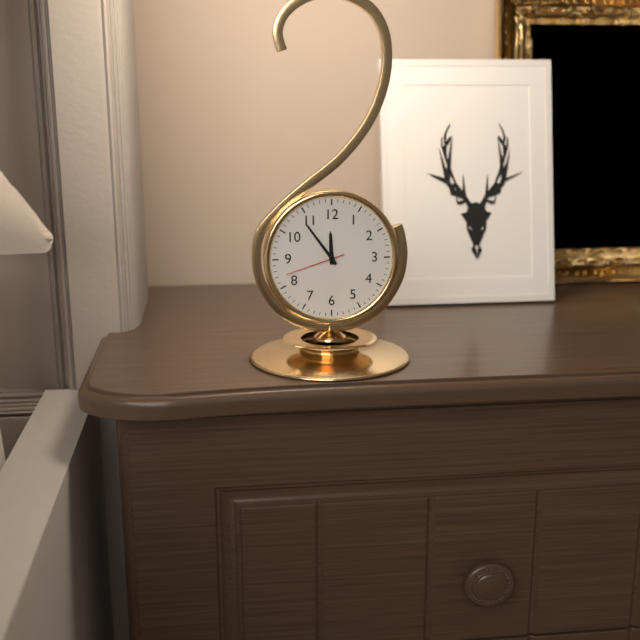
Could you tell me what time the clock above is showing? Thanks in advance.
11:54:42
